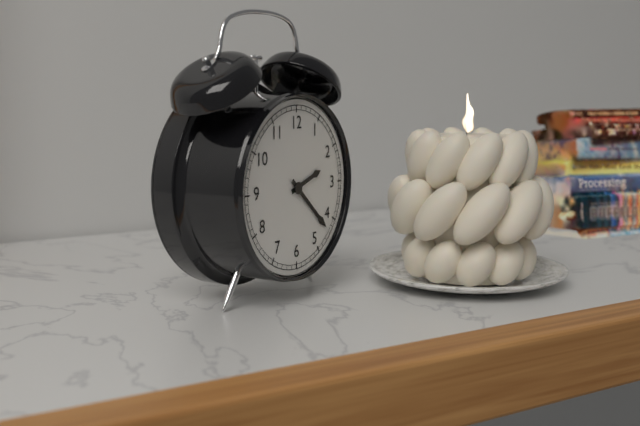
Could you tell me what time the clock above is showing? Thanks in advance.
2:22
